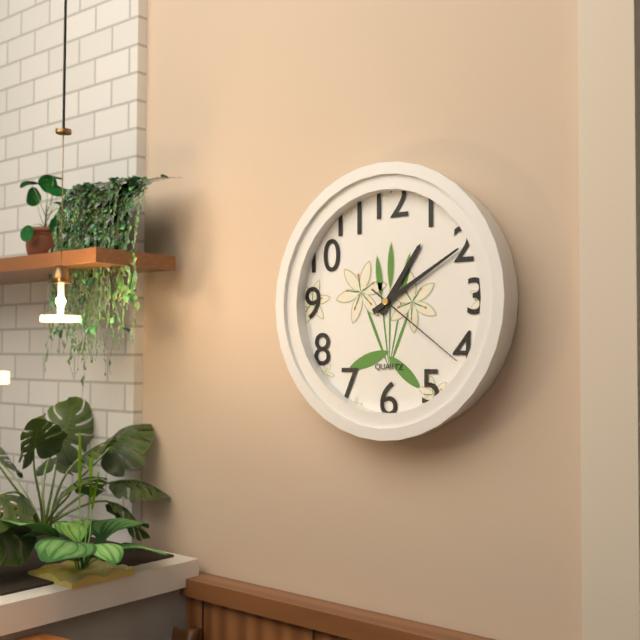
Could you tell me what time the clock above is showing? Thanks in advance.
1:10:21
